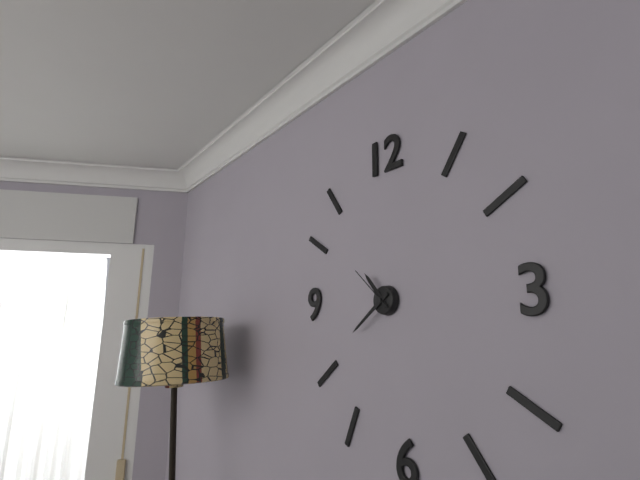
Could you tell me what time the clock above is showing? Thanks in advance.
10:39
